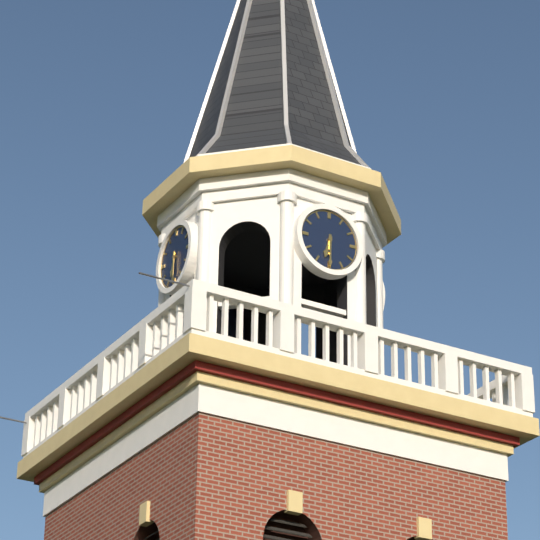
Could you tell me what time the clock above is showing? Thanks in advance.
6:30
